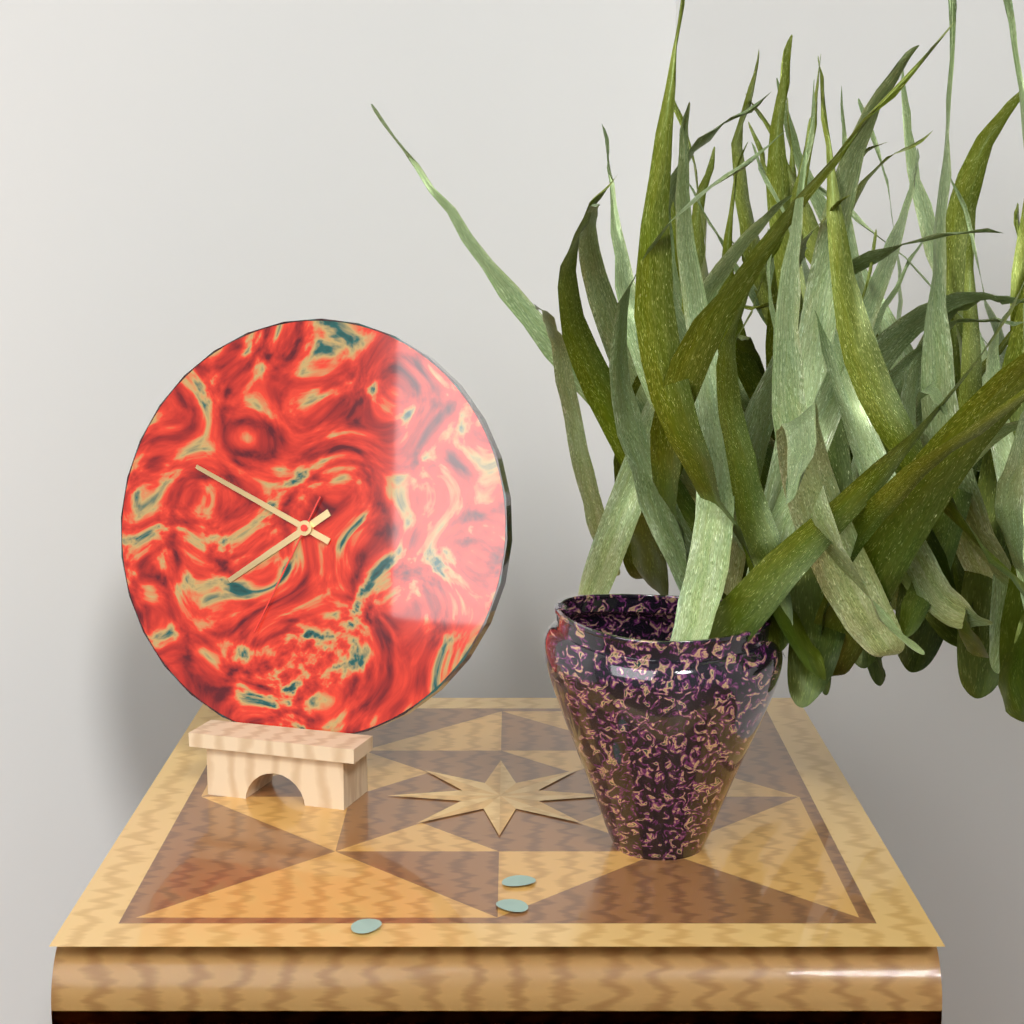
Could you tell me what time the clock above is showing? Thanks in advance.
7:49:34
